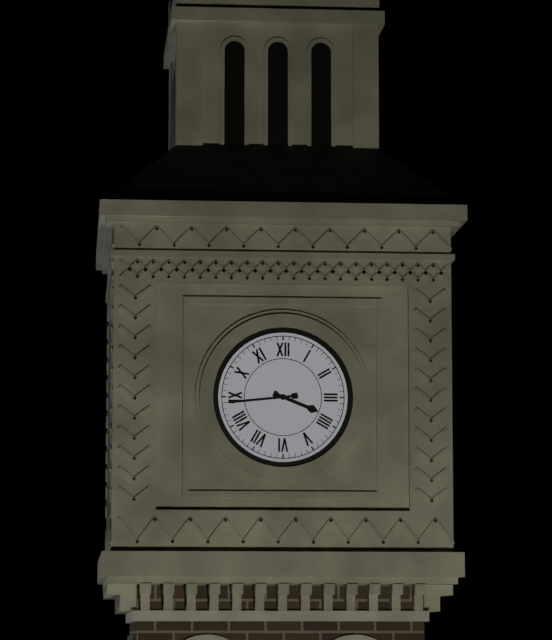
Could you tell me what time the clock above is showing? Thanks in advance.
3:44
